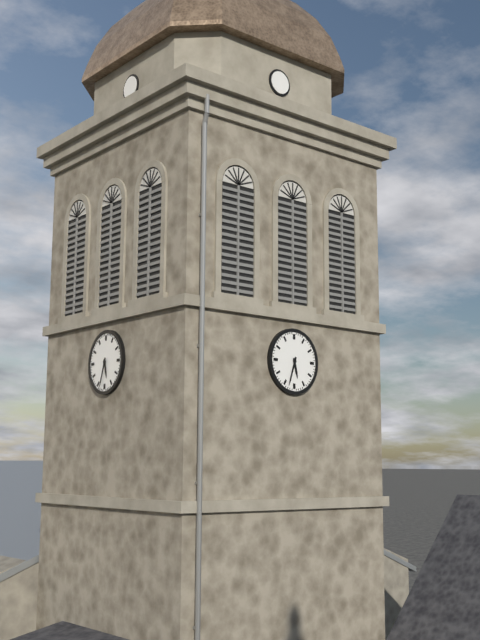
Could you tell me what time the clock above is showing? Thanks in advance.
5:33
